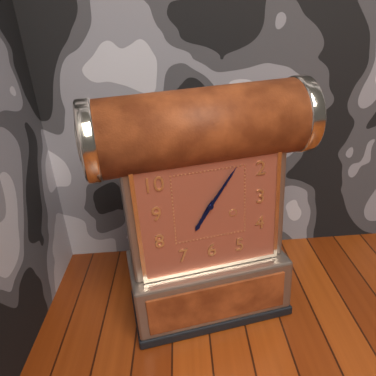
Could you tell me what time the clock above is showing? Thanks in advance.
7:06
